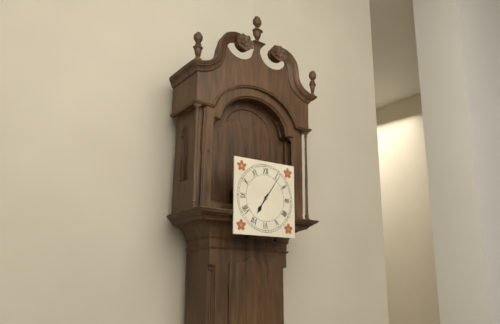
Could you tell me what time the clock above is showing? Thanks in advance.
7:06
